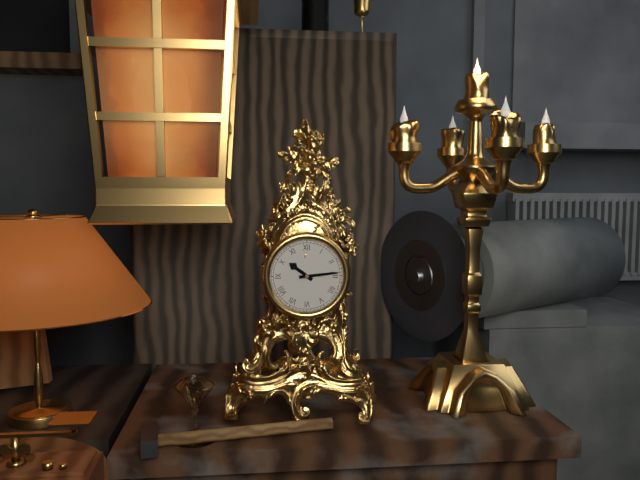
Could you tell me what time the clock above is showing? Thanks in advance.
10:14
